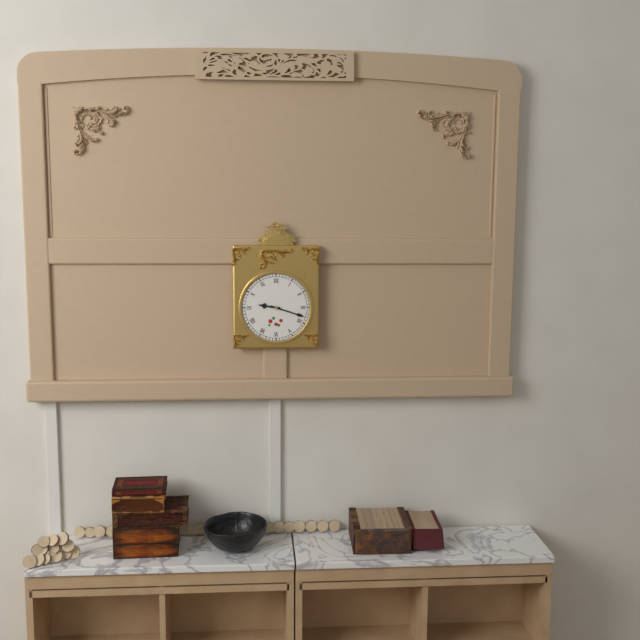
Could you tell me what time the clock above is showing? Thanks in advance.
9:18
